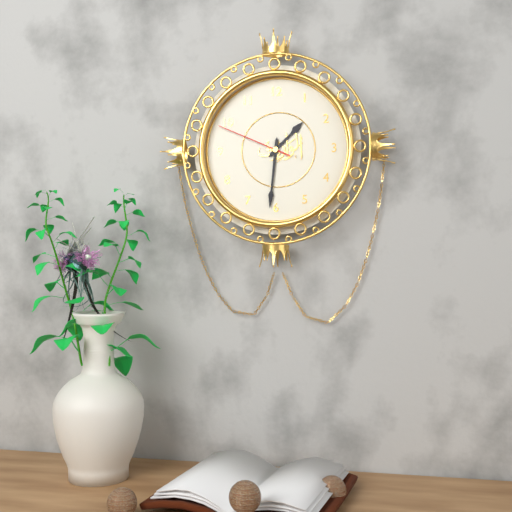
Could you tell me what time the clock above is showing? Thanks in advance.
1:31:49
